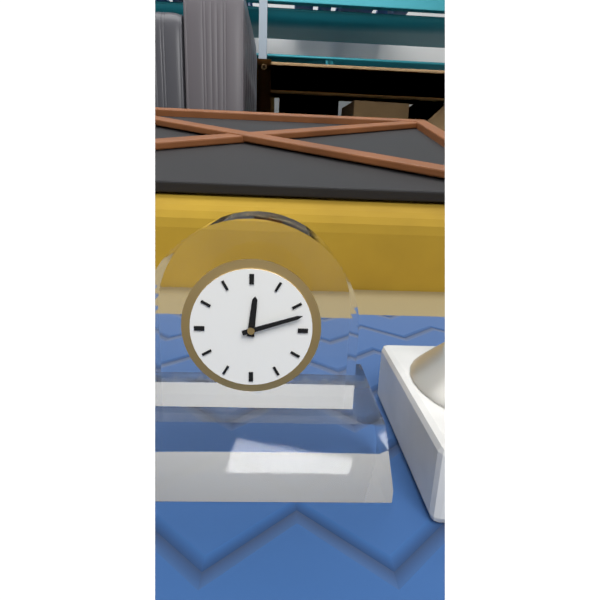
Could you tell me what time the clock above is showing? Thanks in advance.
12:12
